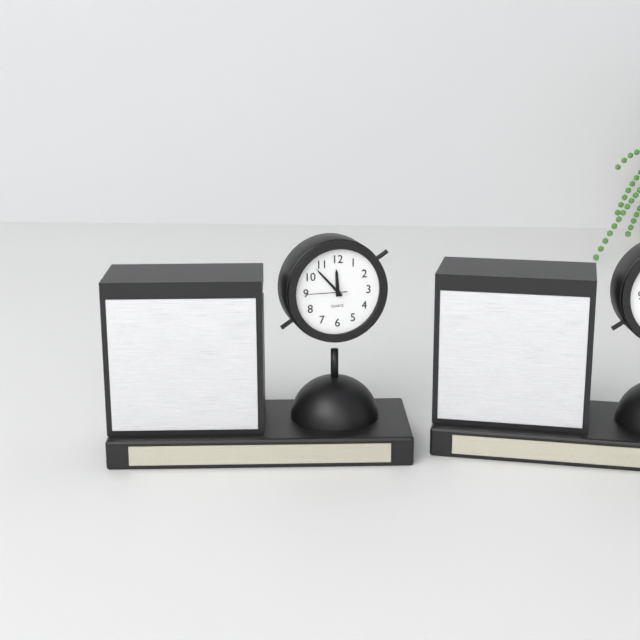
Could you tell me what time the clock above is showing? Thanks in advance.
11:53
